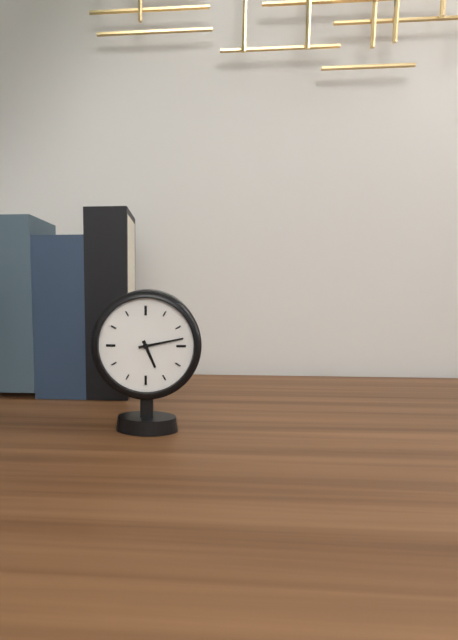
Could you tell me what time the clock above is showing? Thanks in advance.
5:13
